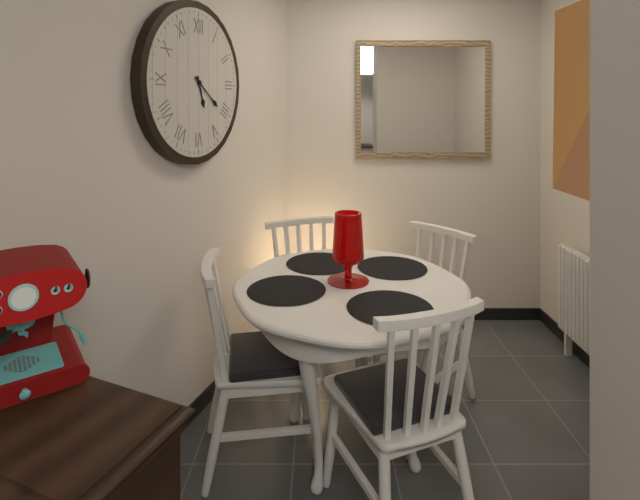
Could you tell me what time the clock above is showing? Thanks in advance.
5:21
